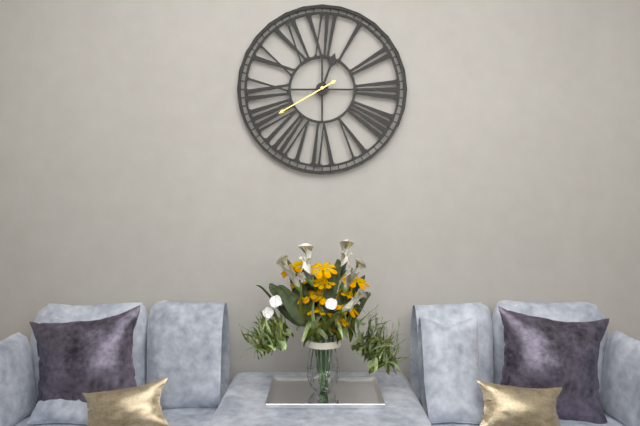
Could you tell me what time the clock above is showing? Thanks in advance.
12:40
